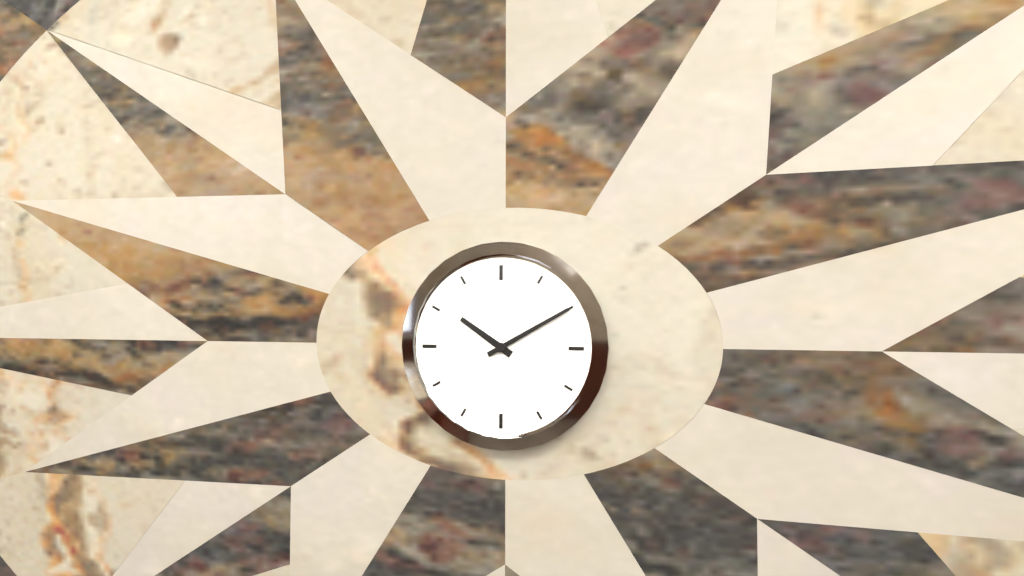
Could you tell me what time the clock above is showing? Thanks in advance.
10:10
